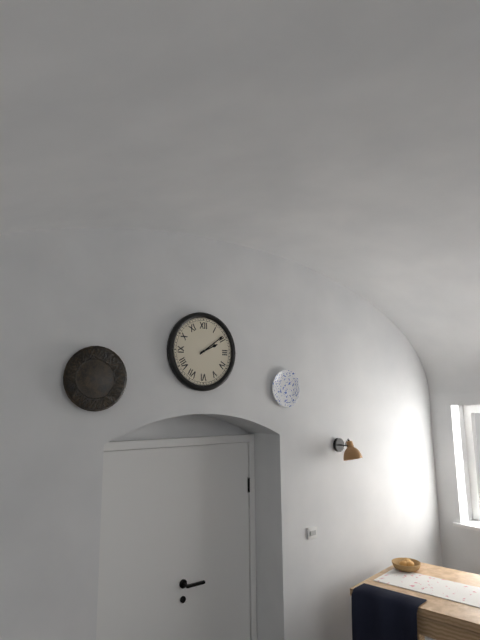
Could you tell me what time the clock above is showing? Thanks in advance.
2:09
